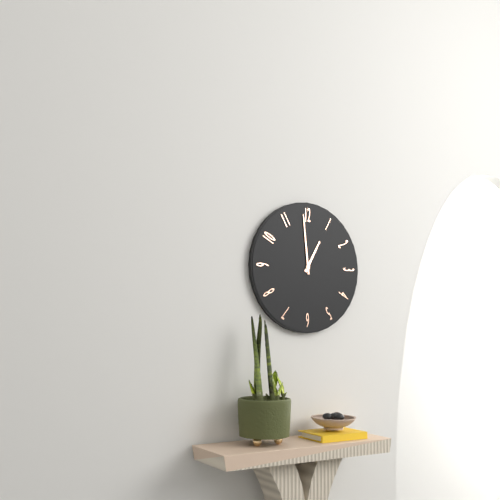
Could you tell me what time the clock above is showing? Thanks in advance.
12:59
